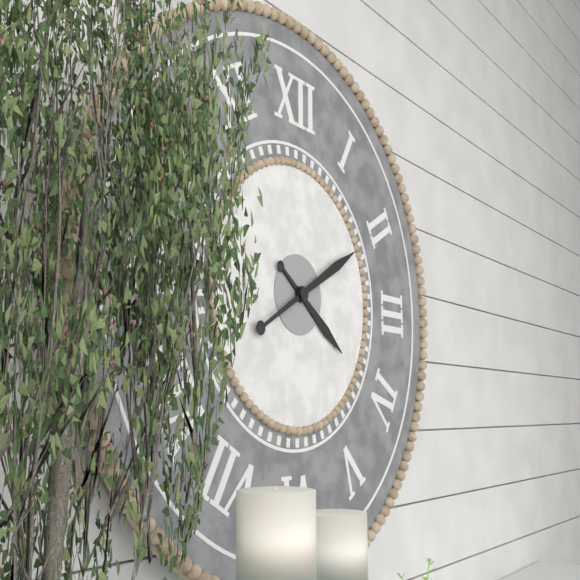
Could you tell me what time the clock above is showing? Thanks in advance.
4:10
